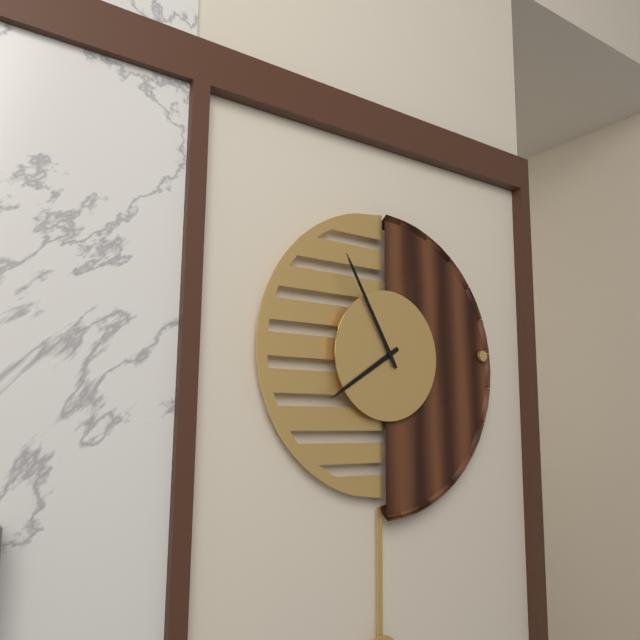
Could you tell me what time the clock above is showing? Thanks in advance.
7:55
